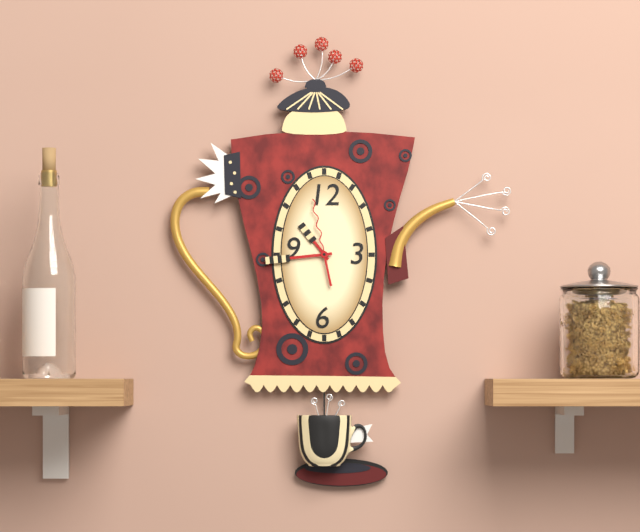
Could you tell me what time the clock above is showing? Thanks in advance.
10:44:58
